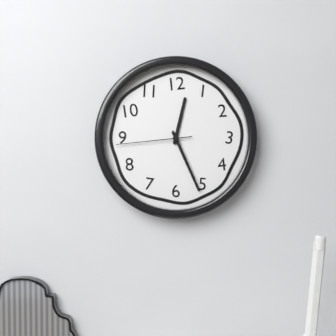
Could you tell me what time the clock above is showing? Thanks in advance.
12:26:44
